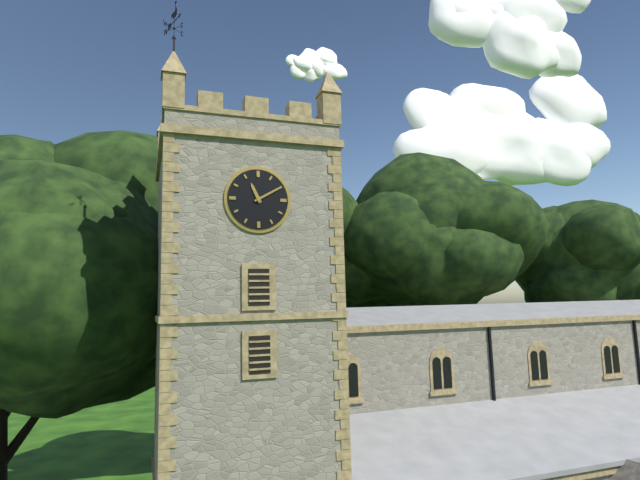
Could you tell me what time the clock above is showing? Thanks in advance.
11:10
